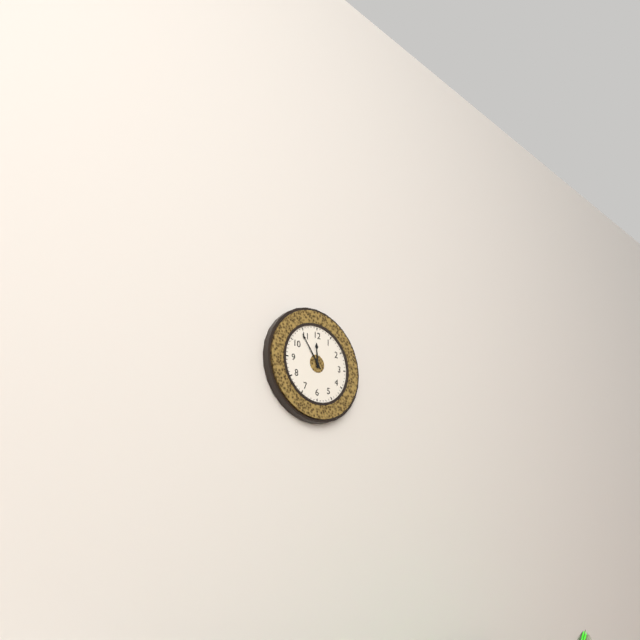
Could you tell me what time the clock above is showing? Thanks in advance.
11:54
